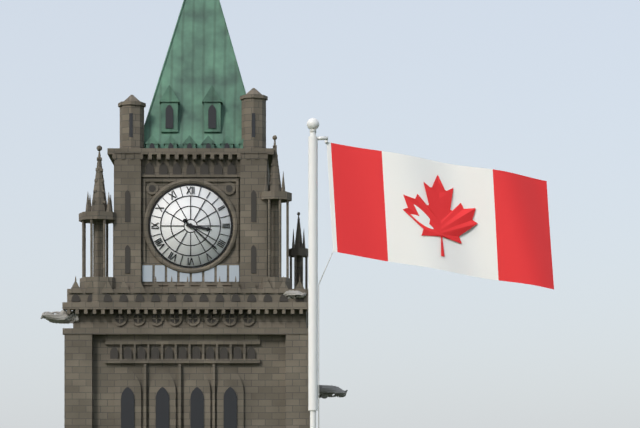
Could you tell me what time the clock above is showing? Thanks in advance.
3:22
